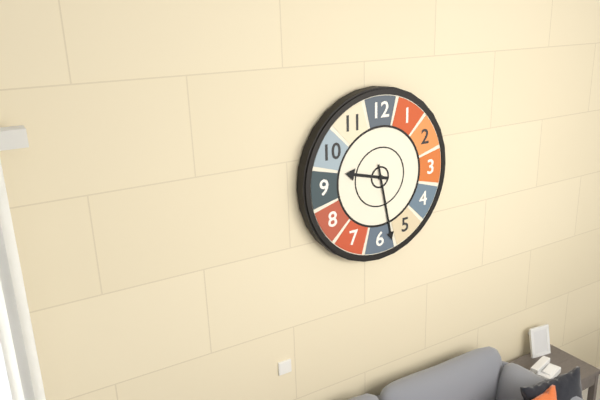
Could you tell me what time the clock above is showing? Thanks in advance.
9:28
